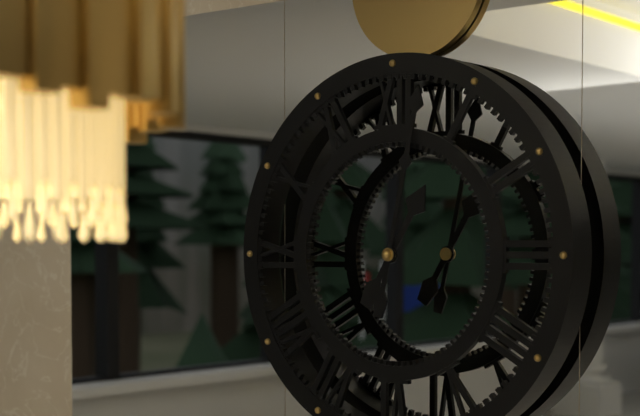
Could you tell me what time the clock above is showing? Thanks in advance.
1:02
